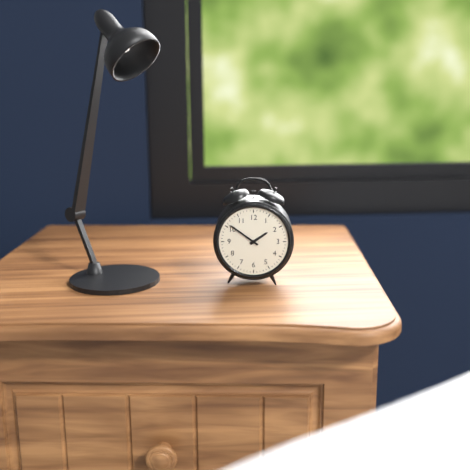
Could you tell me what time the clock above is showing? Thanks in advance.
1:51
